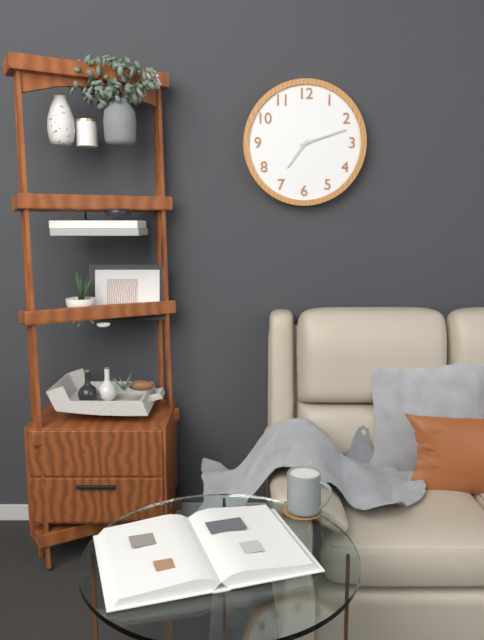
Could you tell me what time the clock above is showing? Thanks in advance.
7:12
